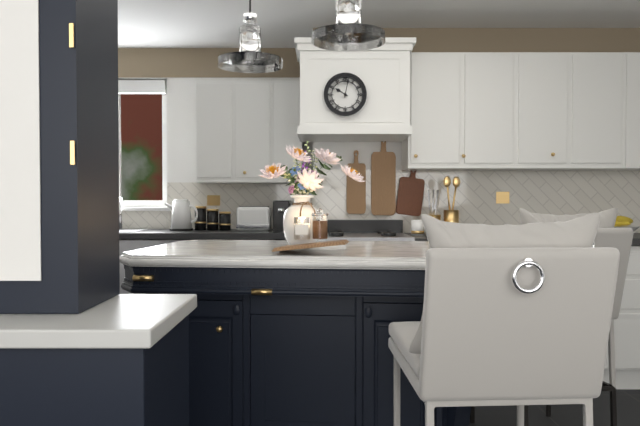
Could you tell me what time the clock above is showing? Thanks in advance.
10:02
